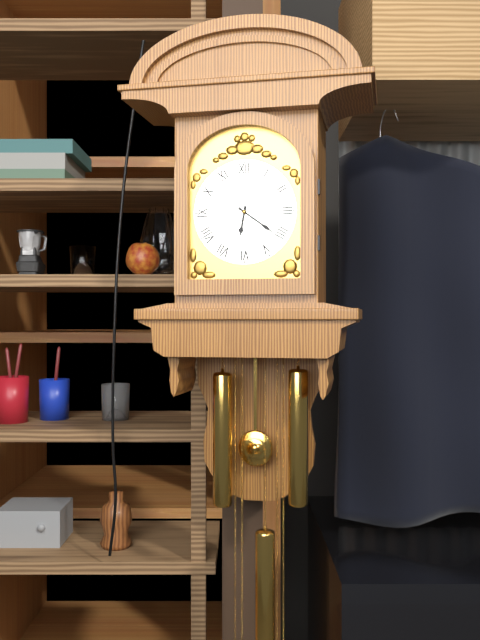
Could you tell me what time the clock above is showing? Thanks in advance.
6:21
